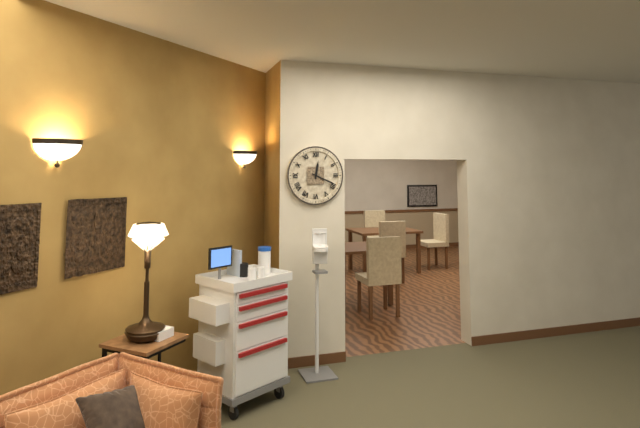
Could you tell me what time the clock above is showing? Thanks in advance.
12:19
